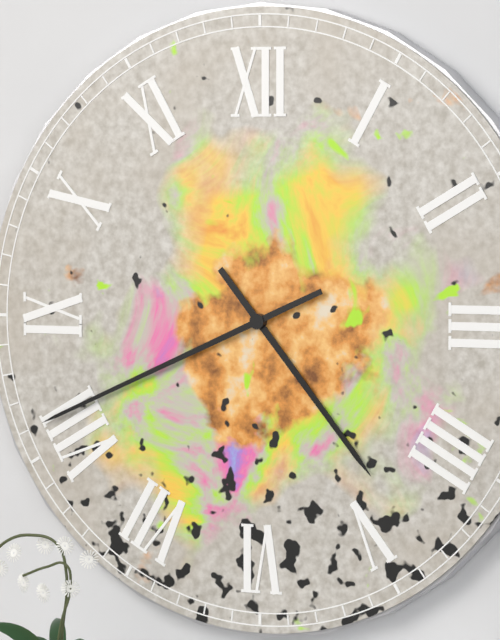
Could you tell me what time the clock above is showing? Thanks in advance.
4:41
